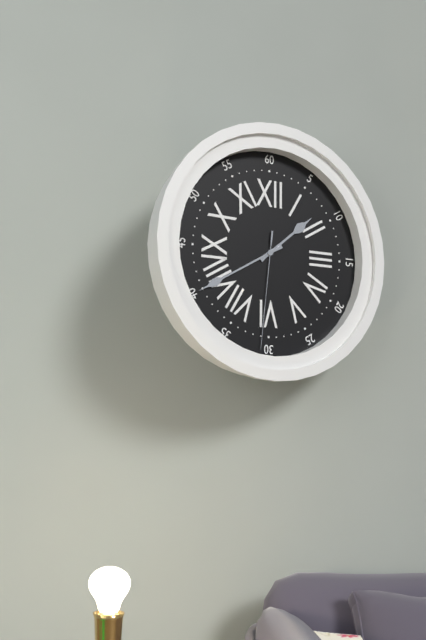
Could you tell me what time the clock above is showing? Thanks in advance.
1:40:31
